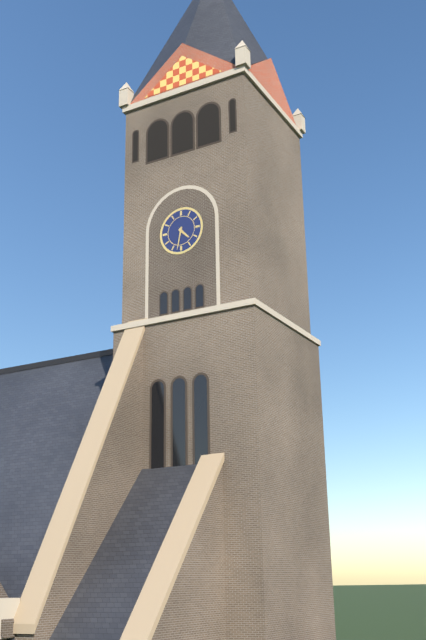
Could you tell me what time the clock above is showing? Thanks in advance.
4:32
